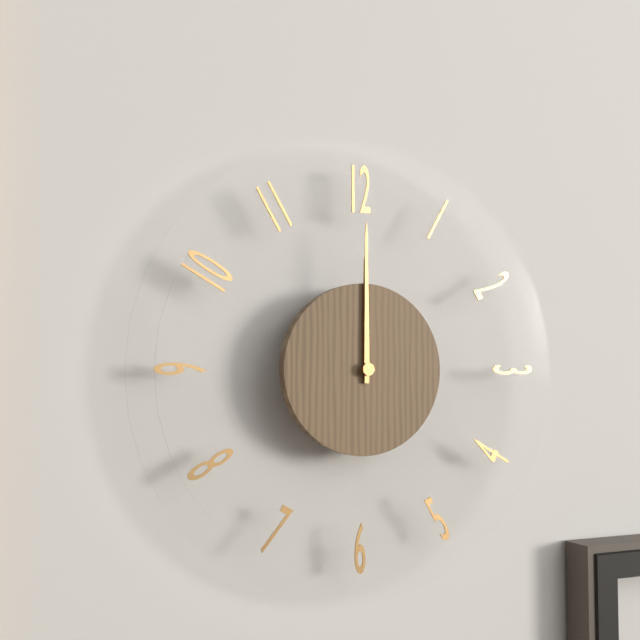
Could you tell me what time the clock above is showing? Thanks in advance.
12:00
